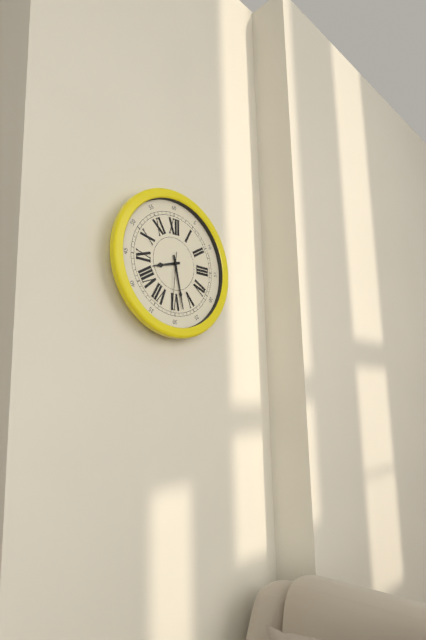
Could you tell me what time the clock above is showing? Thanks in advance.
8:28:31
